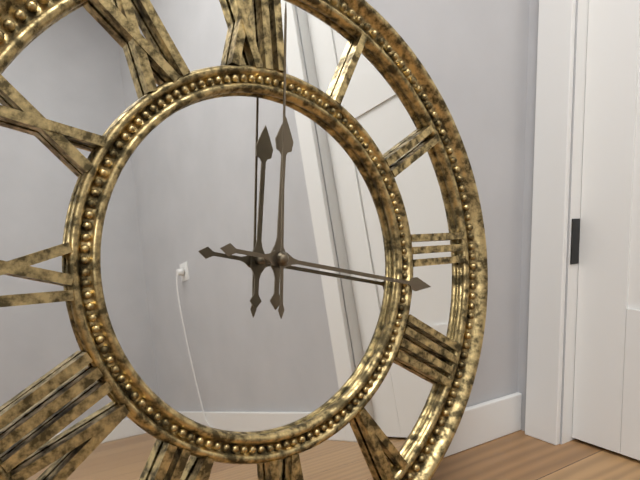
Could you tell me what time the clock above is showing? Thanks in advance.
12:17:01
